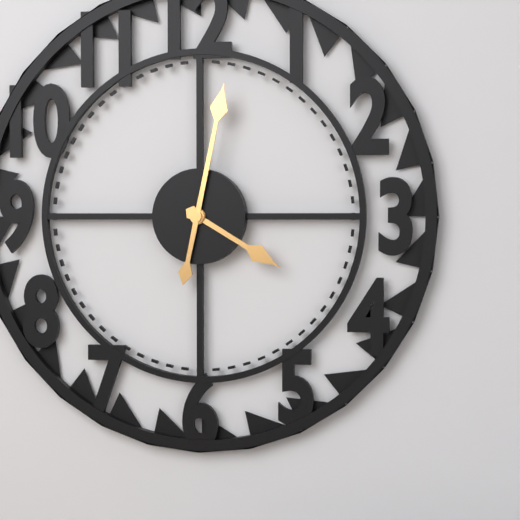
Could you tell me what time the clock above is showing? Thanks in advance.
4:02
